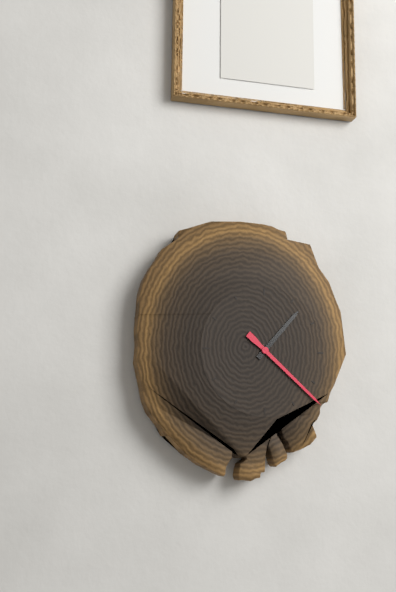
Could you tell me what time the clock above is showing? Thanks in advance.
1:22
